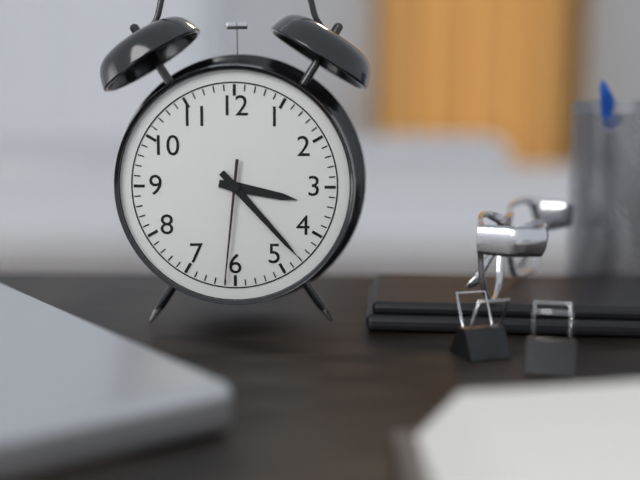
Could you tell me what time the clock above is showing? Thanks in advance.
3:23:31
